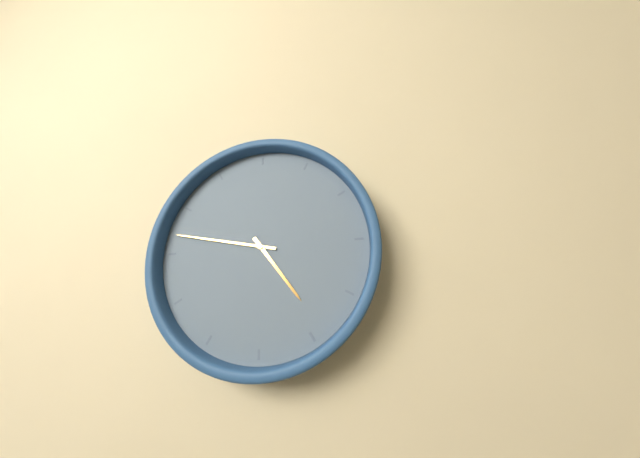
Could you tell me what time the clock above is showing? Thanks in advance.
4:47
